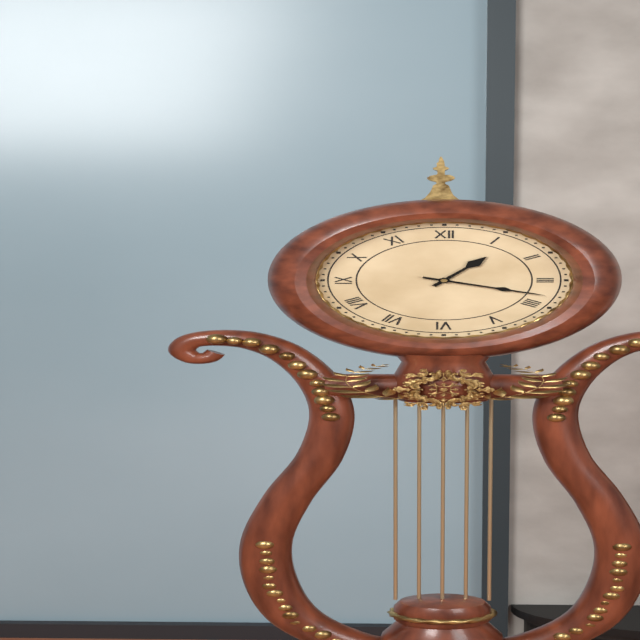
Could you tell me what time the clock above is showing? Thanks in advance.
1:18
